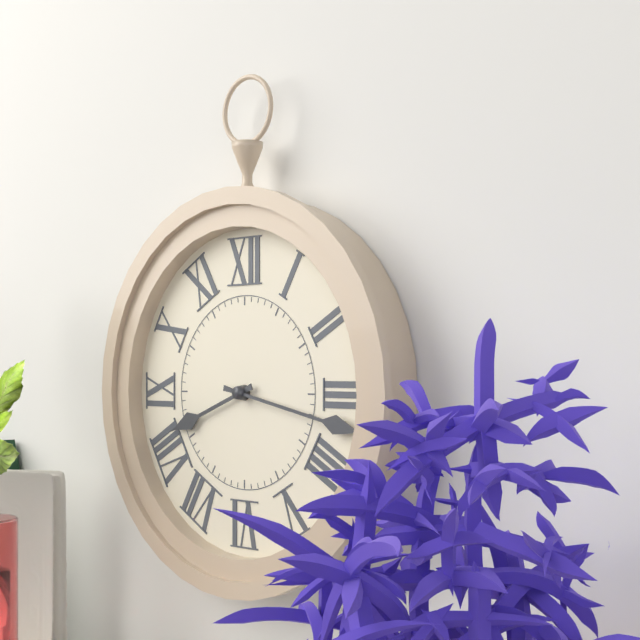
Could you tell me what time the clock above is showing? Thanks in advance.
8:17
